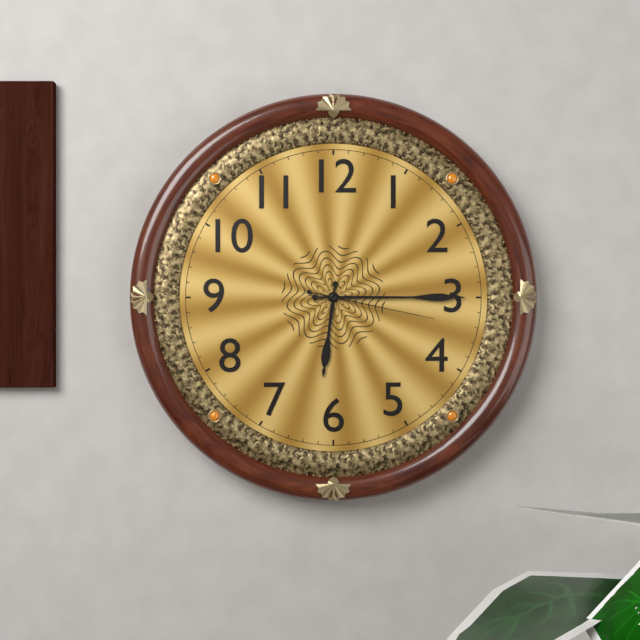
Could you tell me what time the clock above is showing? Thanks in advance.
6:15:17
